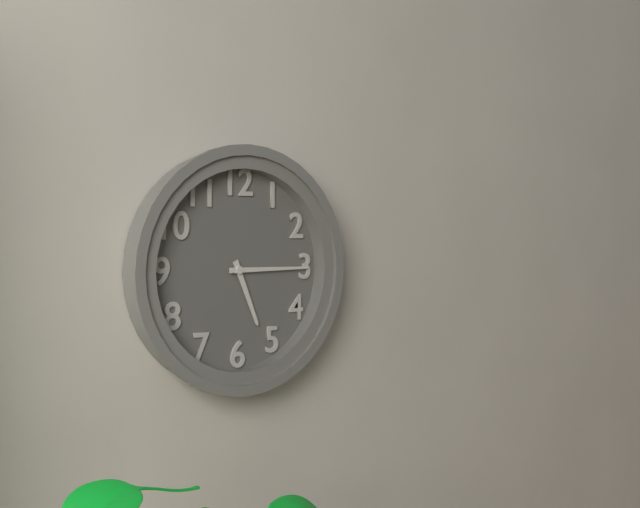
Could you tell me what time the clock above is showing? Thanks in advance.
5:15
